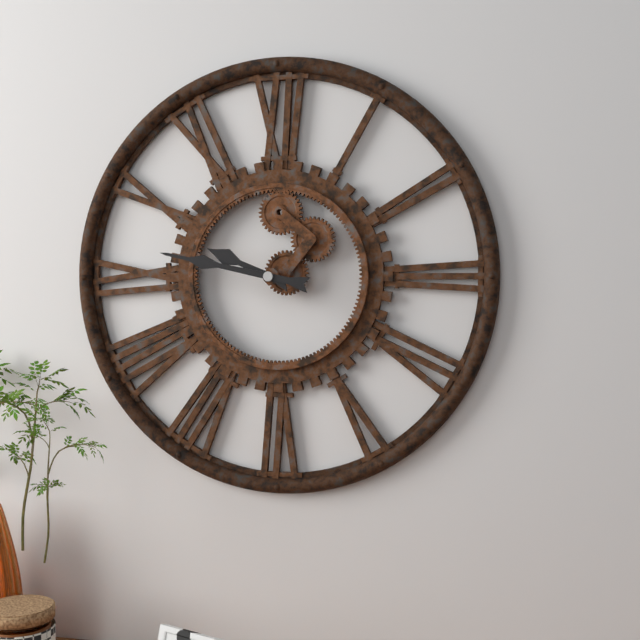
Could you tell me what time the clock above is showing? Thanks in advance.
9:47
